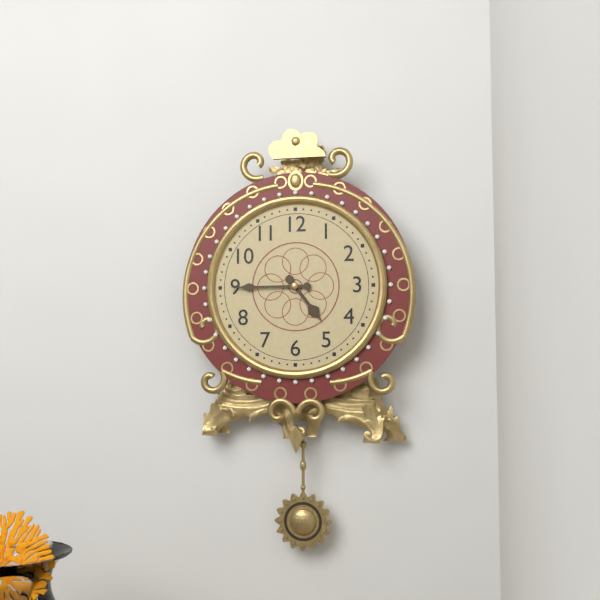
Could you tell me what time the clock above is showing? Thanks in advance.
4:45
